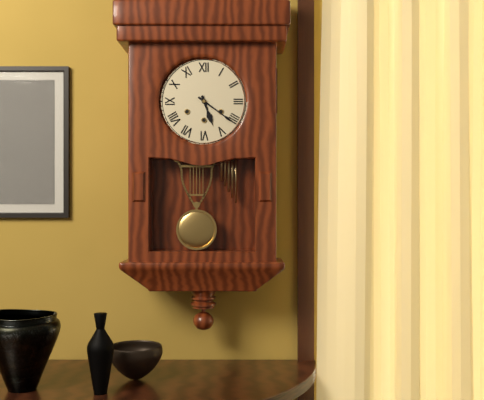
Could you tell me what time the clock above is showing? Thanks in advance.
5:21
